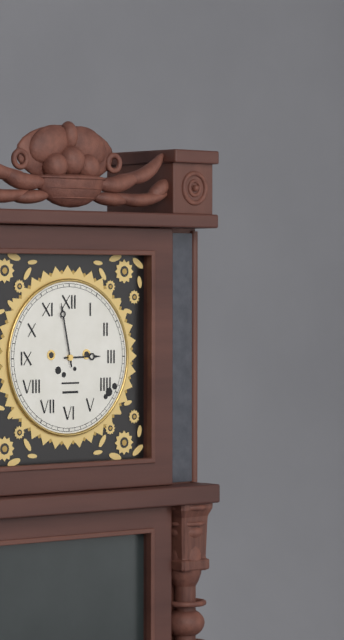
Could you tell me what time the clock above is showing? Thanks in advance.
2:58
